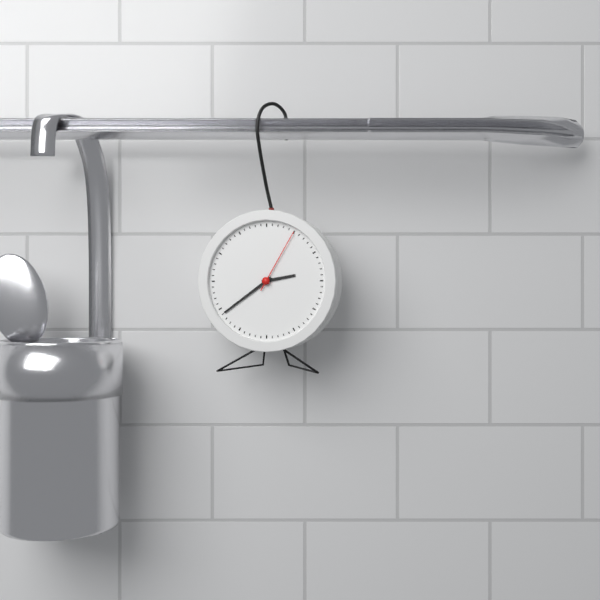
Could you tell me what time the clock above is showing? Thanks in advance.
2:39:05
